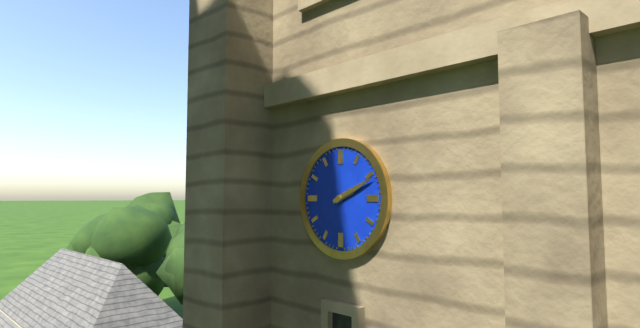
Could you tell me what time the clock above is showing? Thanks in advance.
2:11
